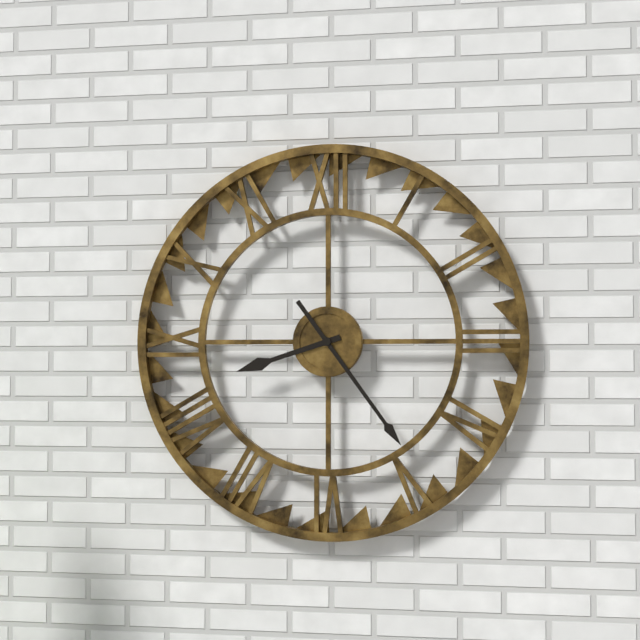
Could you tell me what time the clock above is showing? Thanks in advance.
8:24
